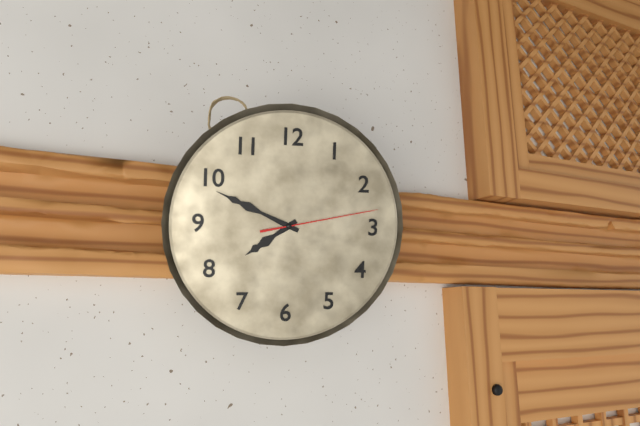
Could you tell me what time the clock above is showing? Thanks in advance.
7:49:13
